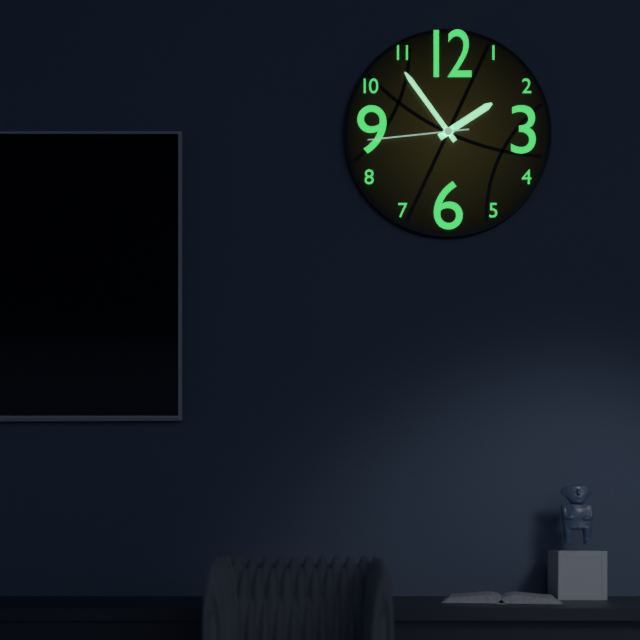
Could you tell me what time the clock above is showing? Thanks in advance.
1:54:44
